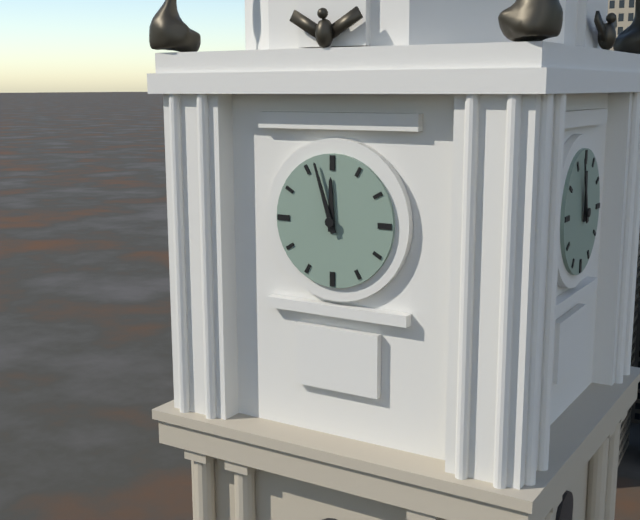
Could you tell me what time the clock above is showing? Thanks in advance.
11:57
